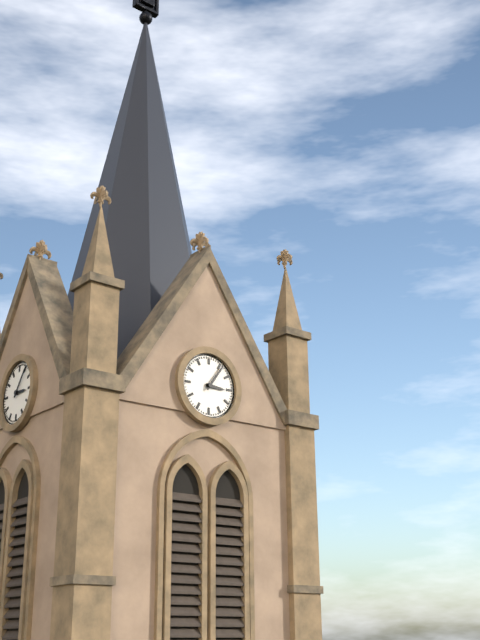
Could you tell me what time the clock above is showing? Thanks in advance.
3:06
